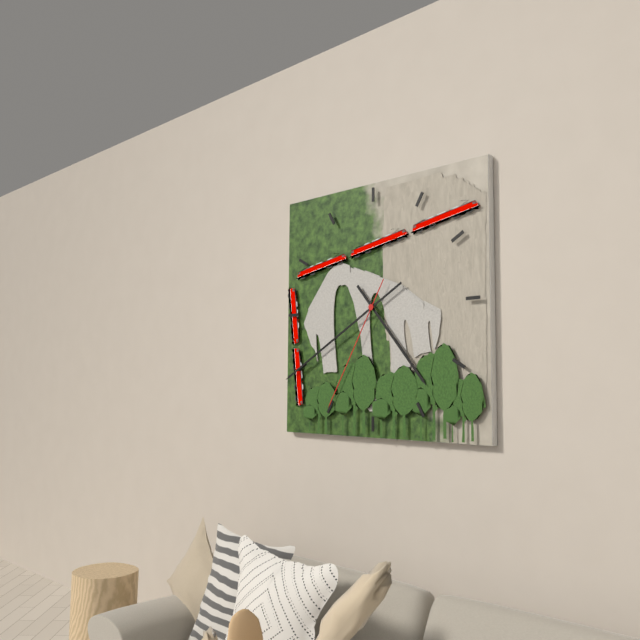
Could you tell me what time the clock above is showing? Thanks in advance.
4:40:35
